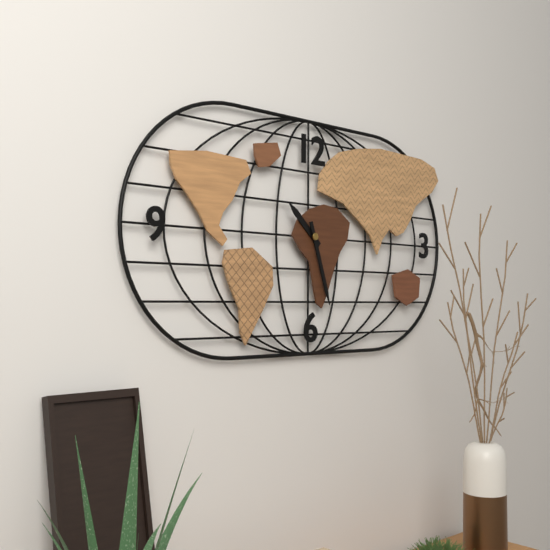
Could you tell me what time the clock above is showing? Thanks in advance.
10:27
